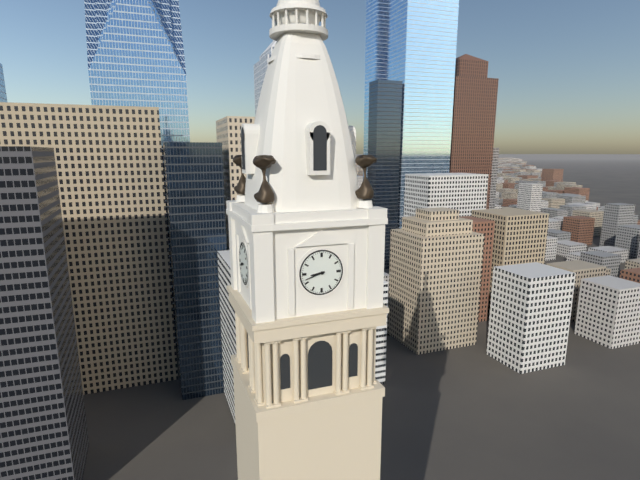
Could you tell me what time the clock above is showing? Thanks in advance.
8:42
